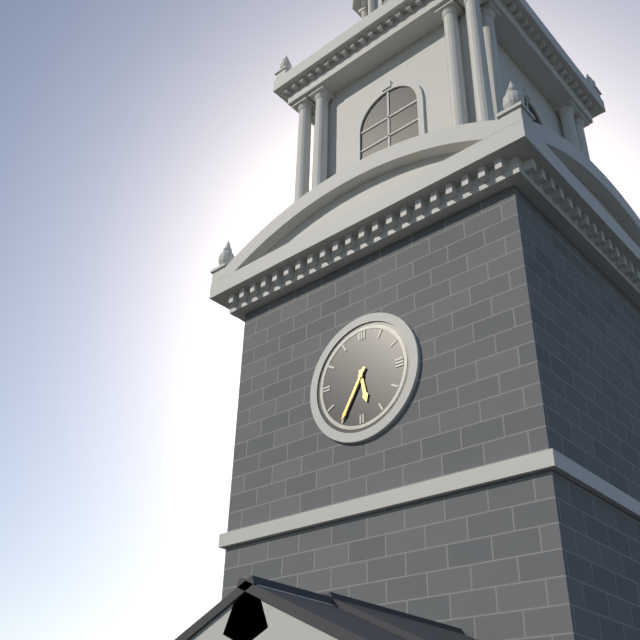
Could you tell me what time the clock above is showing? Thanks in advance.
5:35
